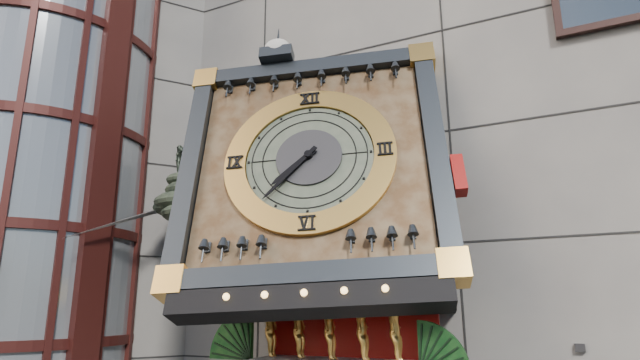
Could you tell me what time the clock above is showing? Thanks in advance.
7:37
